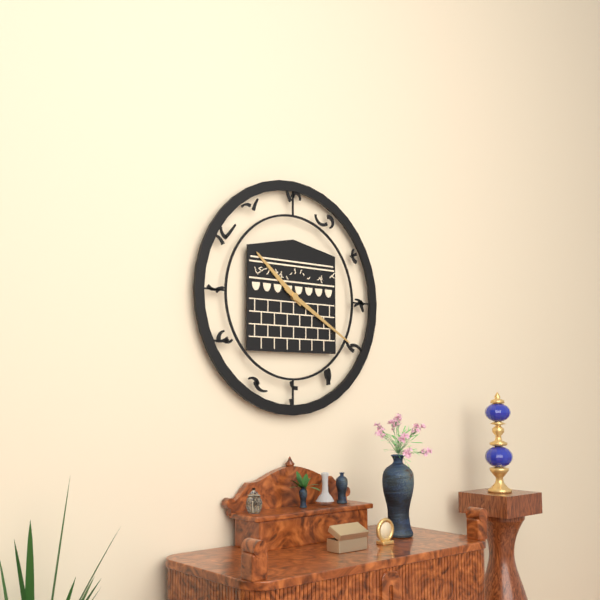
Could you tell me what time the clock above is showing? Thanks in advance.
10:20
